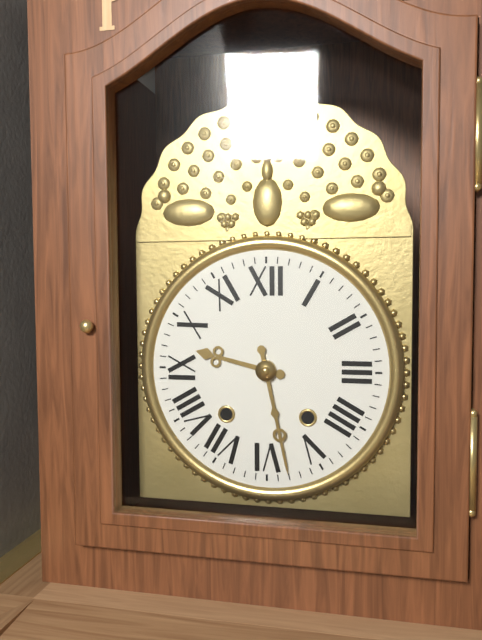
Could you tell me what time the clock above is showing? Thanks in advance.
9:28
